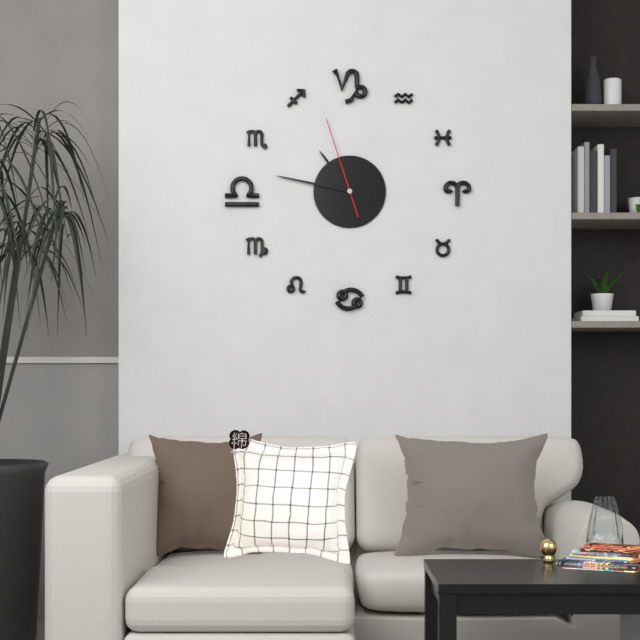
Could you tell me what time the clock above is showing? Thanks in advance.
10:47:57
